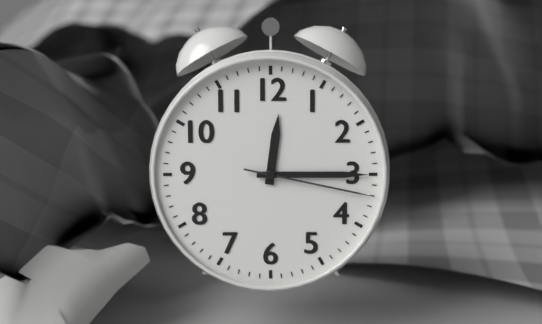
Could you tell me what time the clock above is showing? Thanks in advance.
12:15:17
